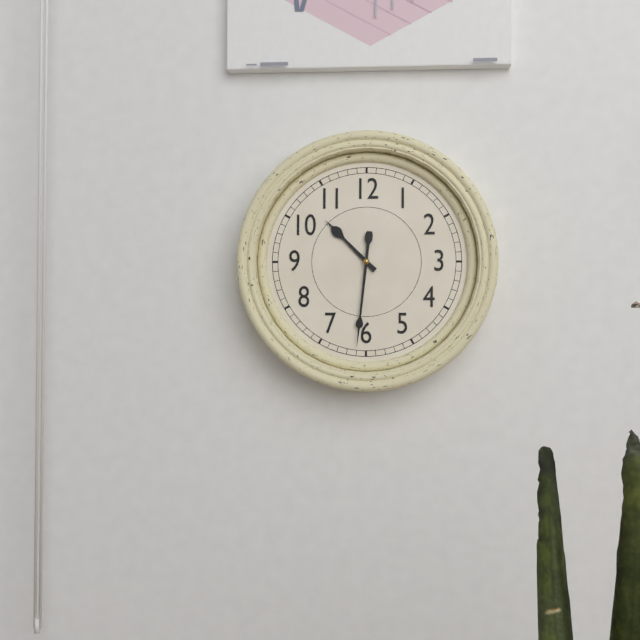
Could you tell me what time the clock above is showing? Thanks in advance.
10:31
